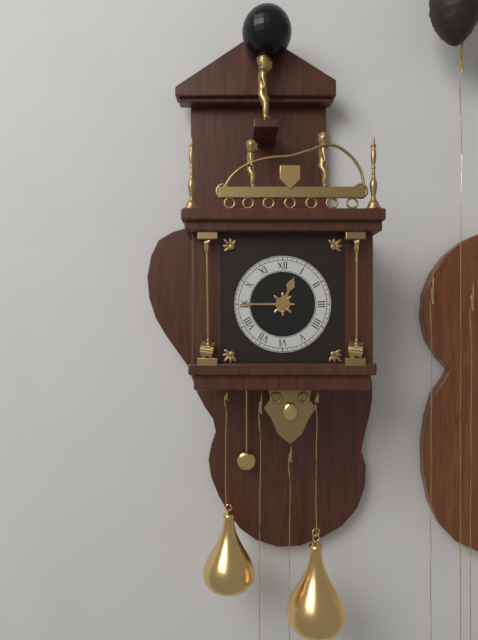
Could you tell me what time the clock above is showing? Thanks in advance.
12:45
